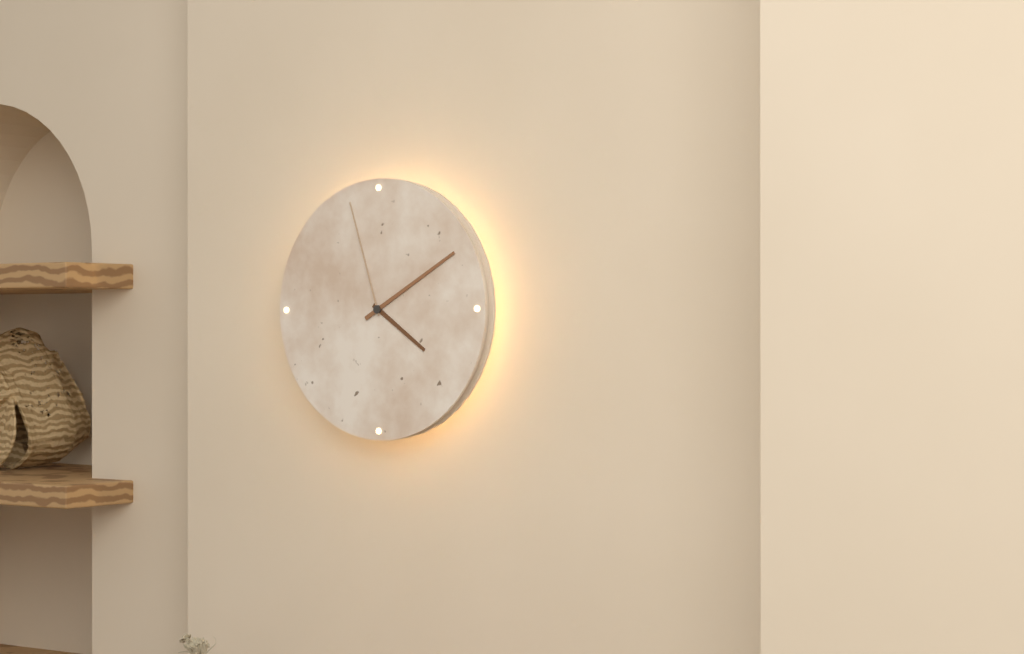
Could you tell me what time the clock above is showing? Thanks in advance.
4:10:57
